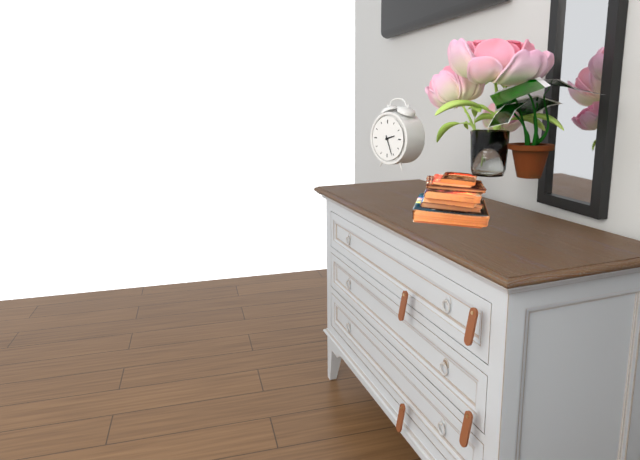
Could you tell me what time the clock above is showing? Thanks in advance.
2:26
